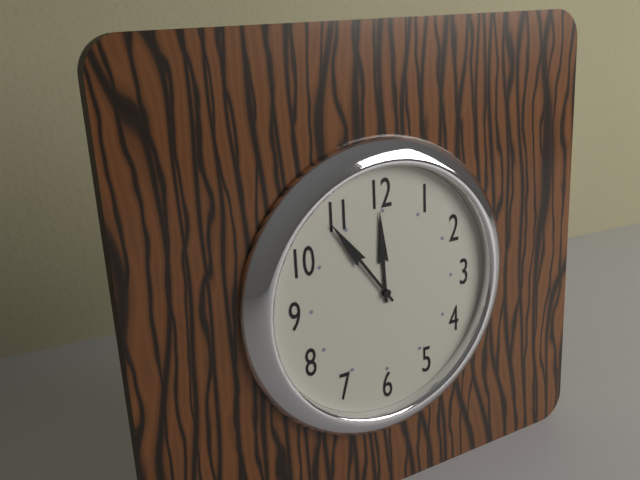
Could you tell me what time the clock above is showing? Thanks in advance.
11:54
